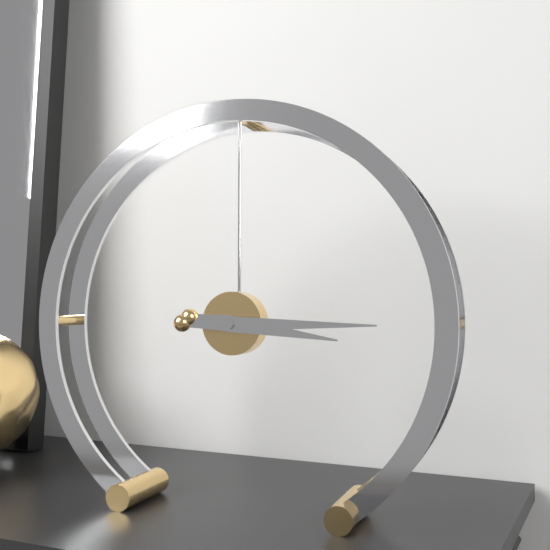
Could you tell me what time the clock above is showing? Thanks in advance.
3:15
